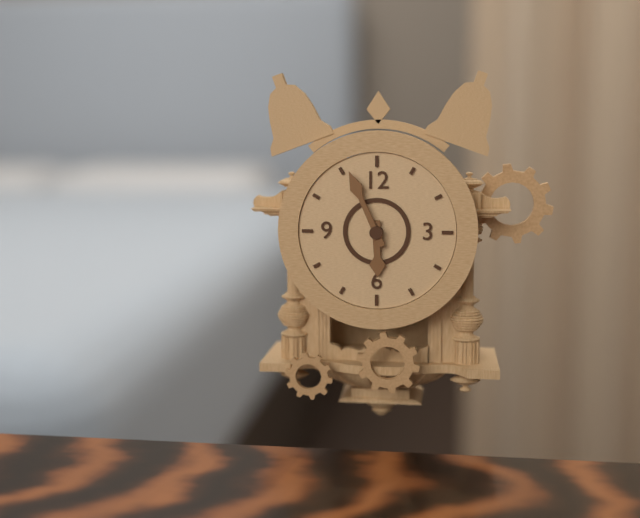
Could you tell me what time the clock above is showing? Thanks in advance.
5:56
